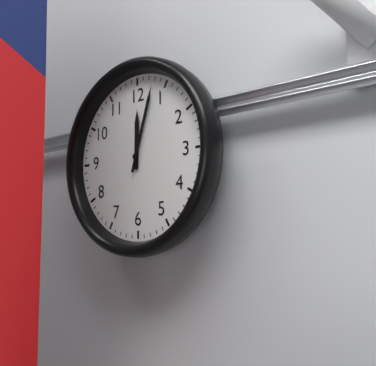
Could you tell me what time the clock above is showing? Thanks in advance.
12:03
